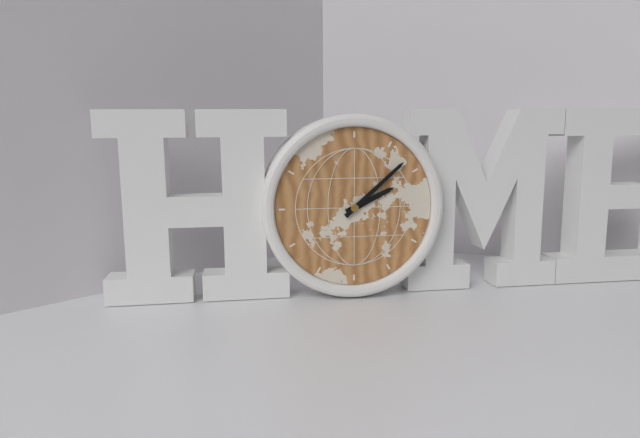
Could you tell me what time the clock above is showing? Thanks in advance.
2:08
